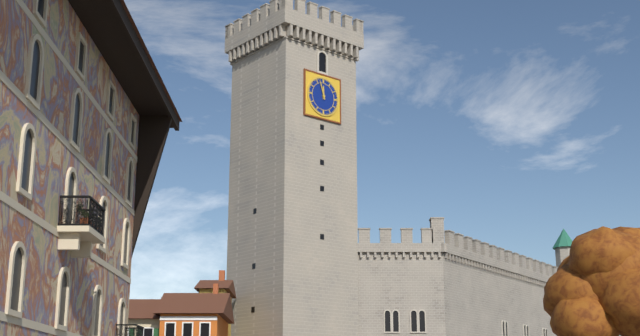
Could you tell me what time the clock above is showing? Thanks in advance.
11:57
